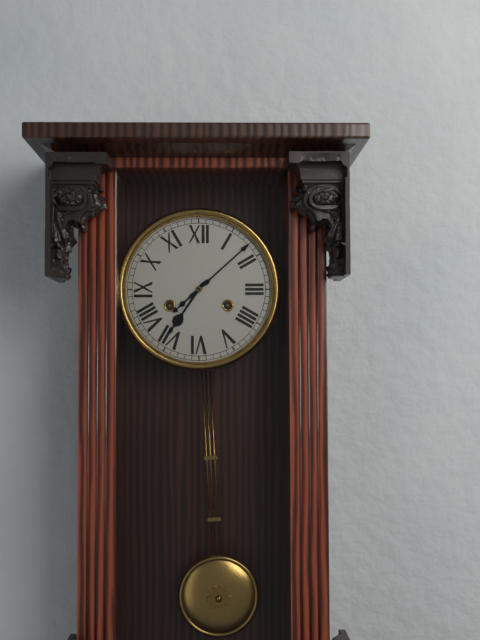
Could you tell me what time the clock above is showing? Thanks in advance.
7:08
